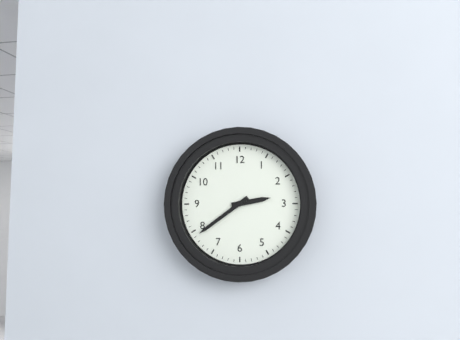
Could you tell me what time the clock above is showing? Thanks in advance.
2:39
